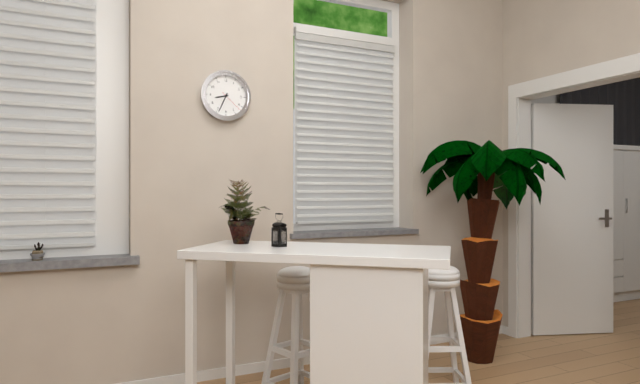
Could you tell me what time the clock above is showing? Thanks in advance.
8:34
